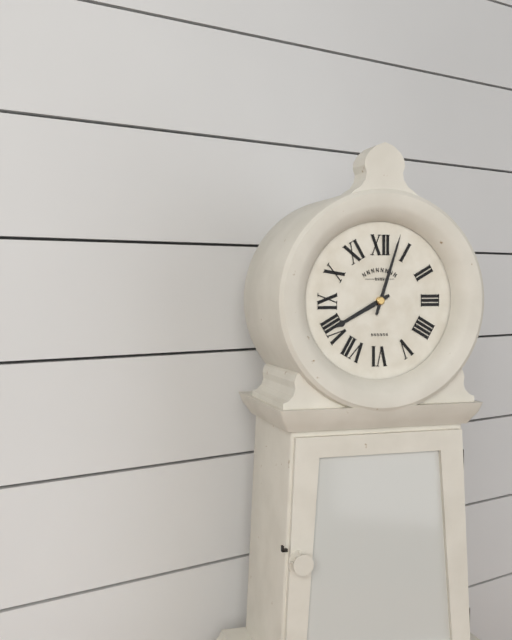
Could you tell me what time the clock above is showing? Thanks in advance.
8:03
